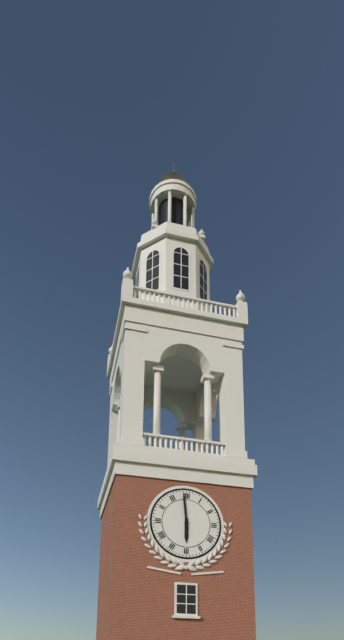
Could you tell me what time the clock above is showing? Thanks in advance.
5:59
